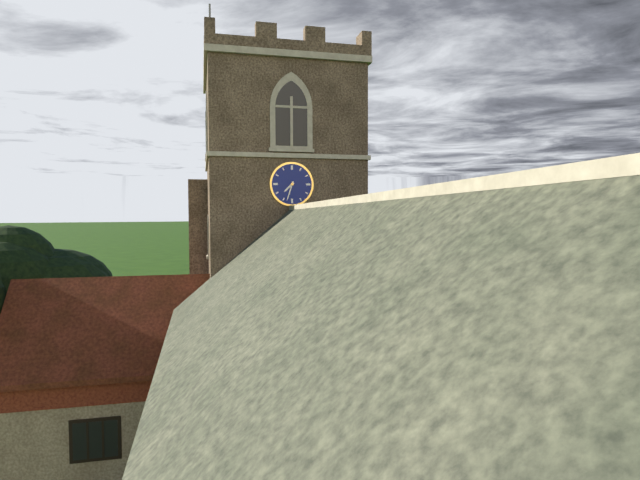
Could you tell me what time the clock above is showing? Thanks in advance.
7:33
